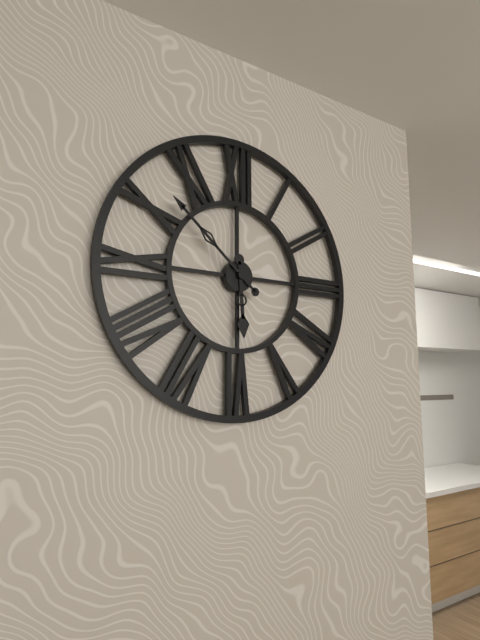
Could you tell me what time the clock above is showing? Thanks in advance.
5:52
